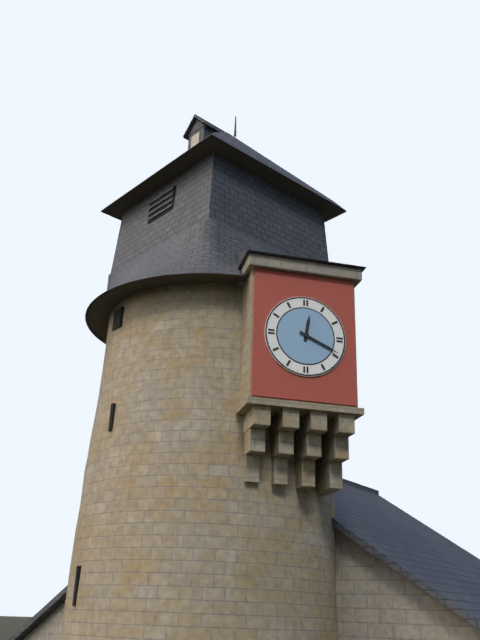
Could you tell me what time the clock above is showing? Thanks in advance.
12:19
